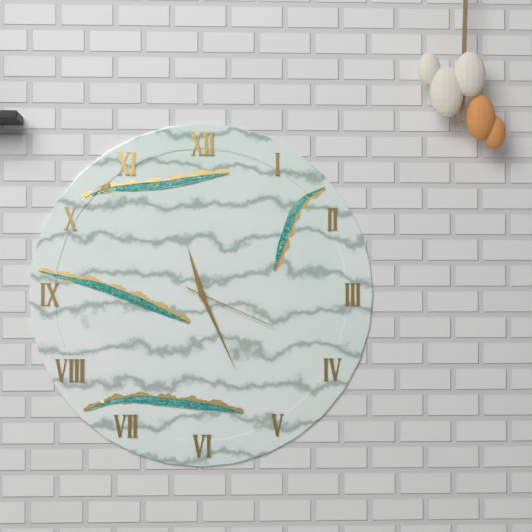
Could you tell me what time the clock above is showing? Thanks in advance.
11:26:19
